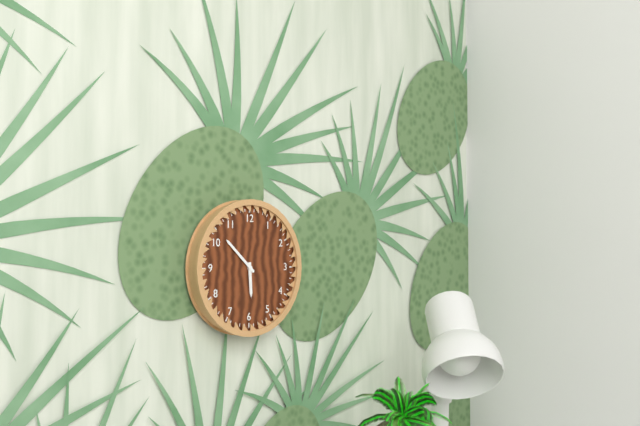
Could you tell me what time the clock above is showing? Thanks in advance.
5:52
